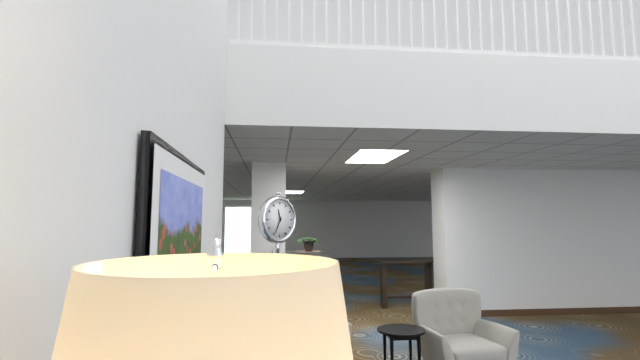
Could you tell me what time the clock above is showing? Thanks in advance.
11:34
